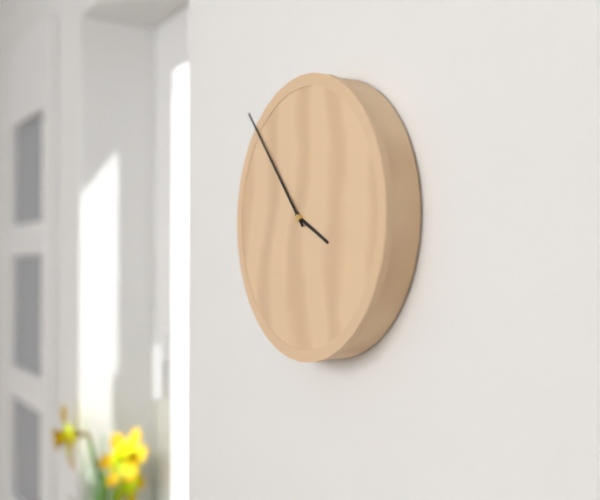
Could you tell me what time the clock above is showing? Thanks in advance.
3:53
